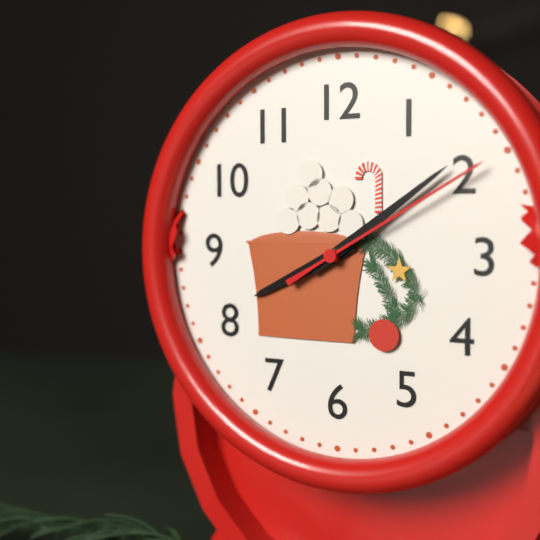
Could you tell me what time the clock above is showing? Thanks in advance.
8:09:10
